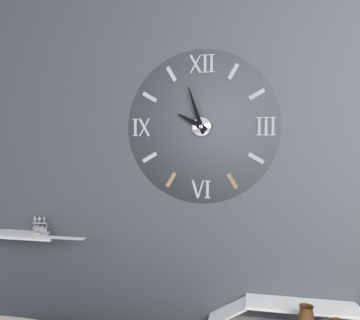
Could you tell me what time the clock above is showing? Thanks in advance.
9:57
